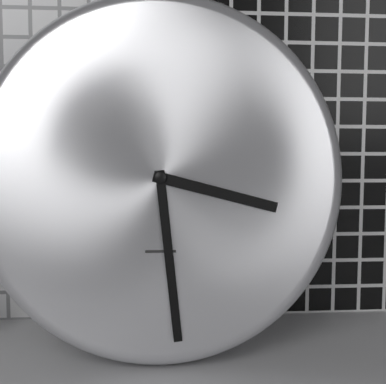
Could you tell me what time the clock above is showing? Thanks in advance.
3:29
